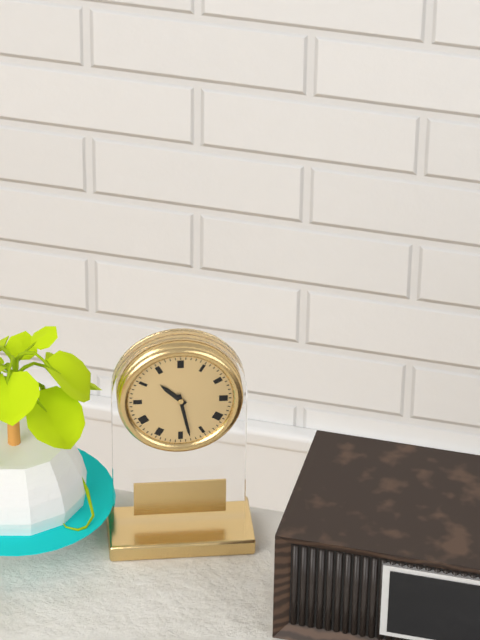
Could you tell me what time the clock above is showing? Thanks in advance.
10:28
